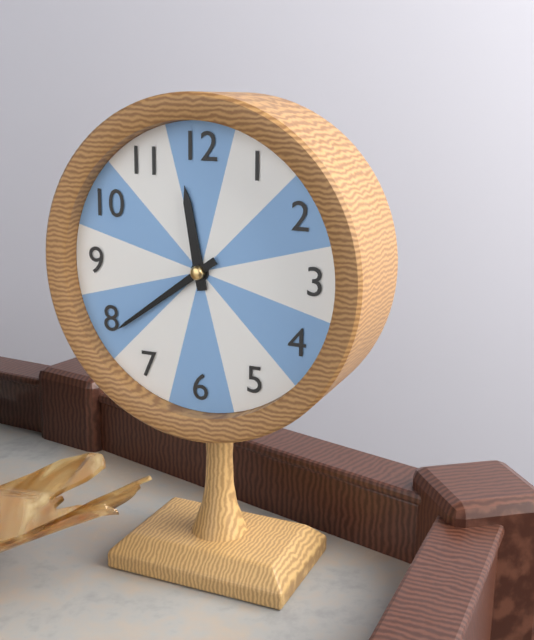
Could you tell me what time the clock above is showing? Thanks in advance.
11:39
